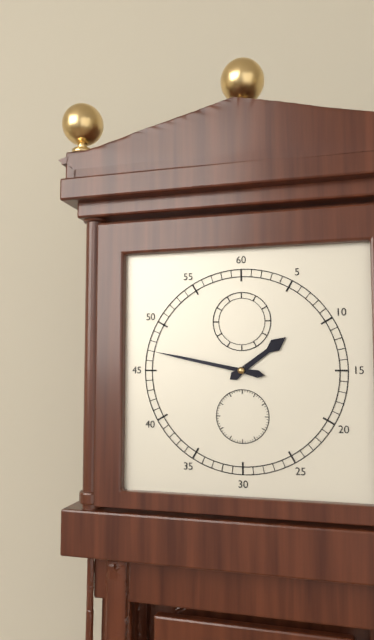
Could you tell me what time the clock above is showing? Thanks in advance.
1:47
